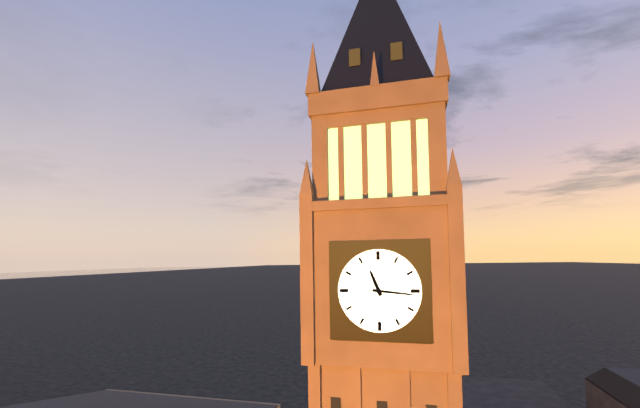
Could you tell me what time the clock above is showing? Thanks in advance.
11:16
